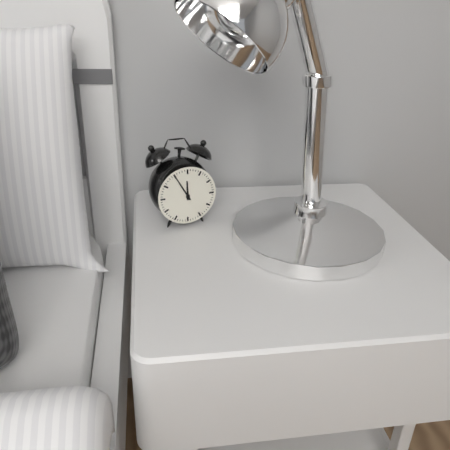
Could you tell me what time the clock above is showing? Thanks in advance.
11:55
